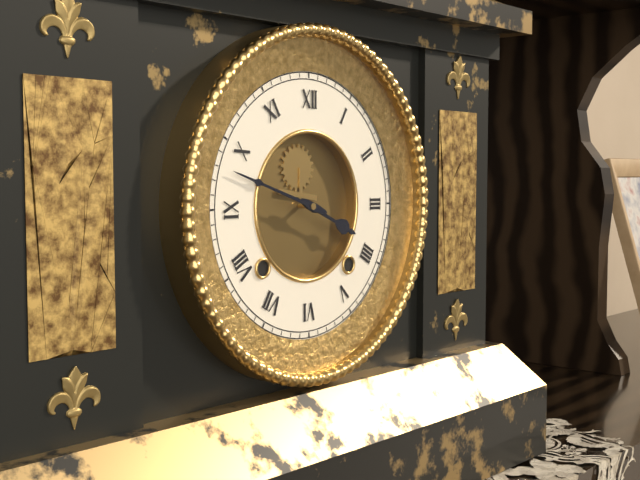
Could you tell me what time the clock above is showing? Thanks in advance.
3:48
